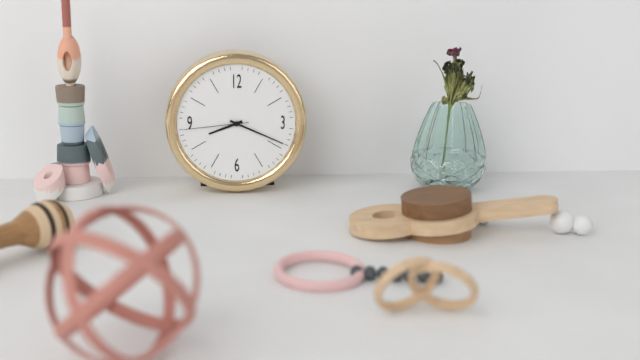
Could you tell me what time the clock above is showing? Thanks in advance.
8:19:44
